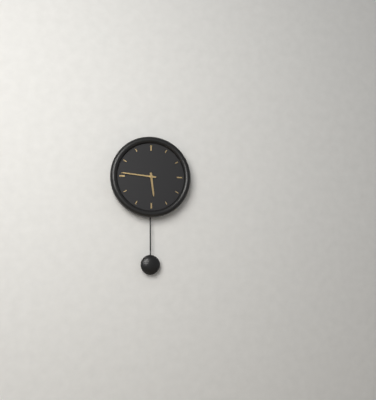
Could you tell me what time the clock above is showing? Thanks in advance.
5:46
